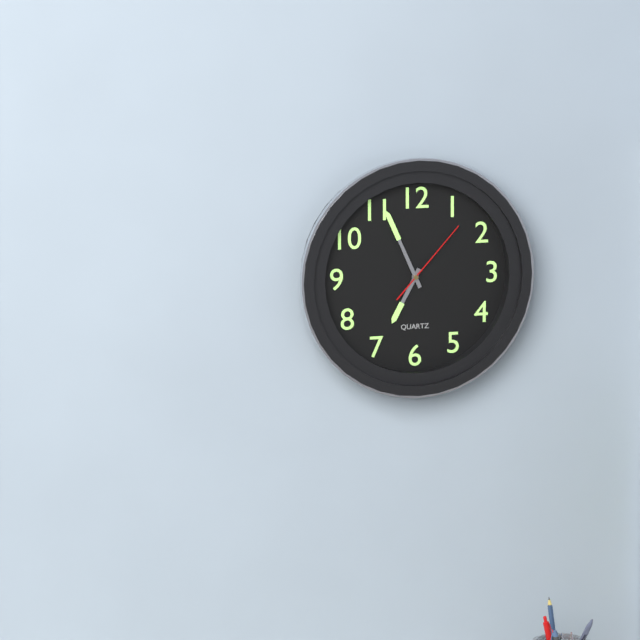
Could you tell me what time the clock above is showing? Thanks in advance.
6:56:07
